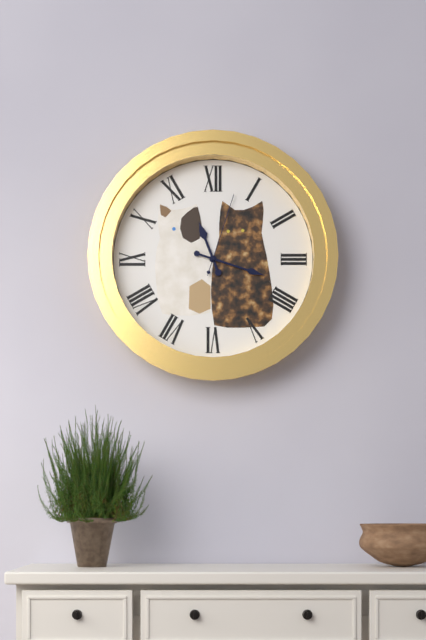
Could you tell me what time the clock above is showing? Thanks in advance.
11:18:03
